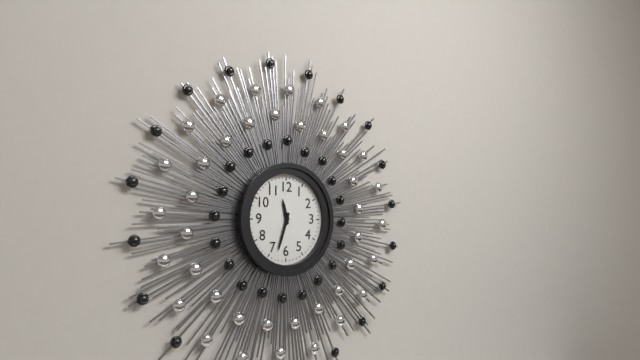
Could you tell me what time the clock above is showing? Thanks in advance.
11:33
